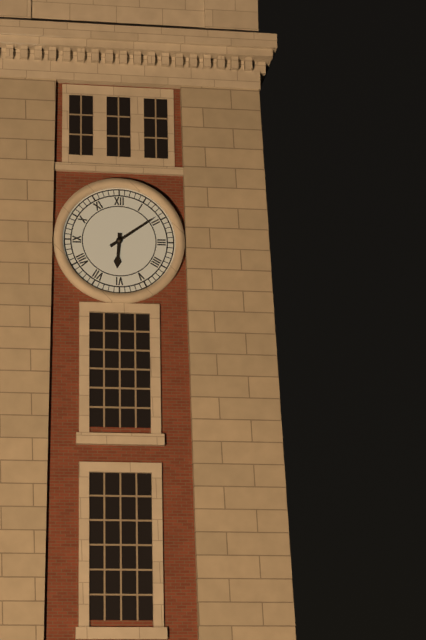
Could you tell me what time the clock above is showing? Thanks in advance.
6:09
